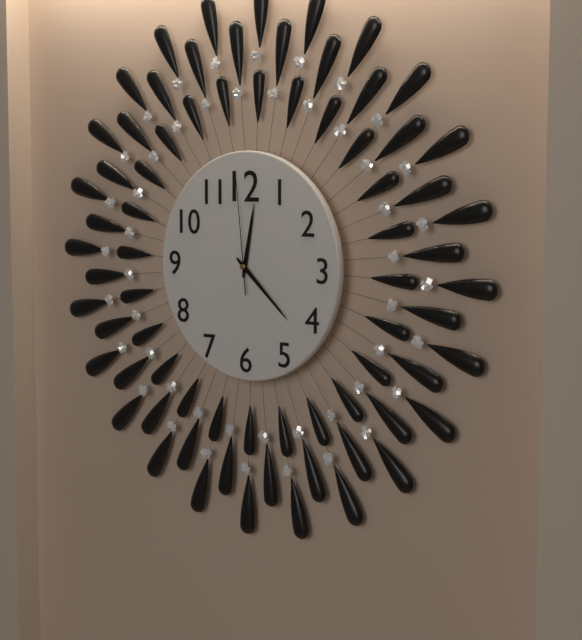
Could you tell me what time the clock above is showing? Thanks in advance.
12:22:59
